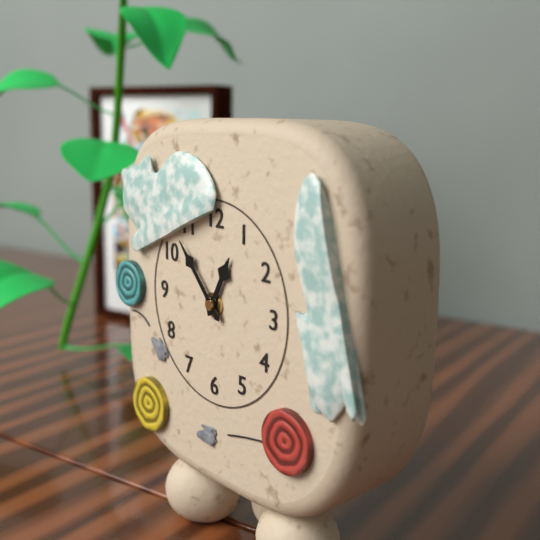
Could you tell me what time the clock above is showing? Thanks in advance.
12:53
